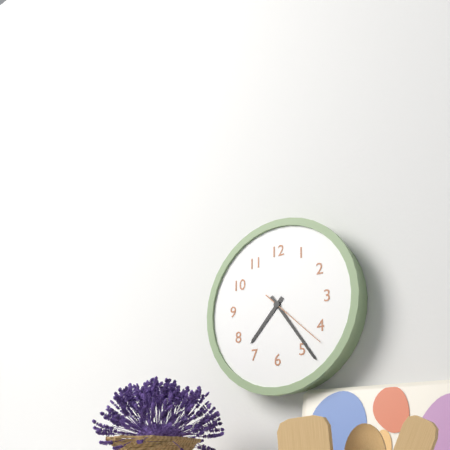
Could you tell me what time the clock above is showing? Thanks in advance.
7:24:22
